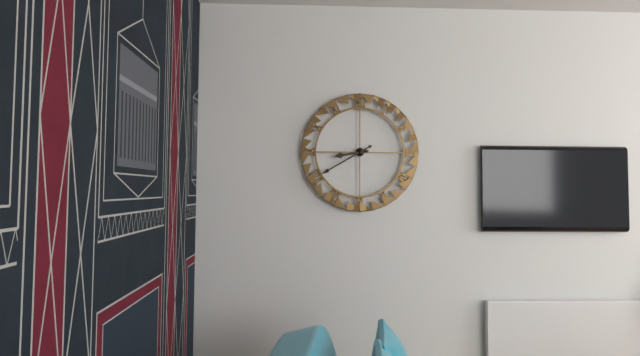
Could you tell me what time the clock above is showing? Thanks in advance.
8:40
